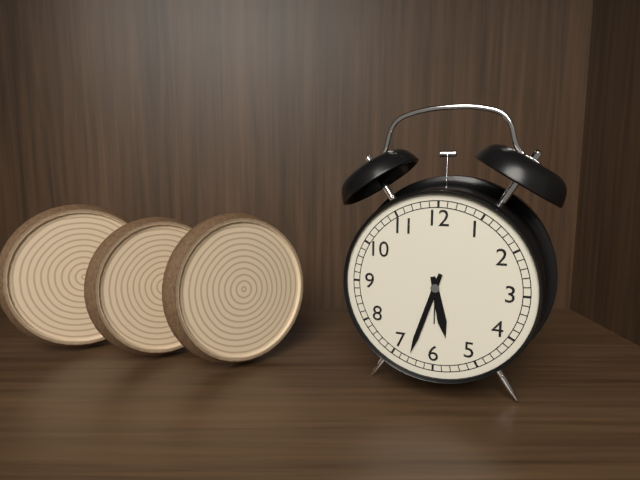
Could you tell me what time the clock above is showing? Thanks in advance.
5:33
